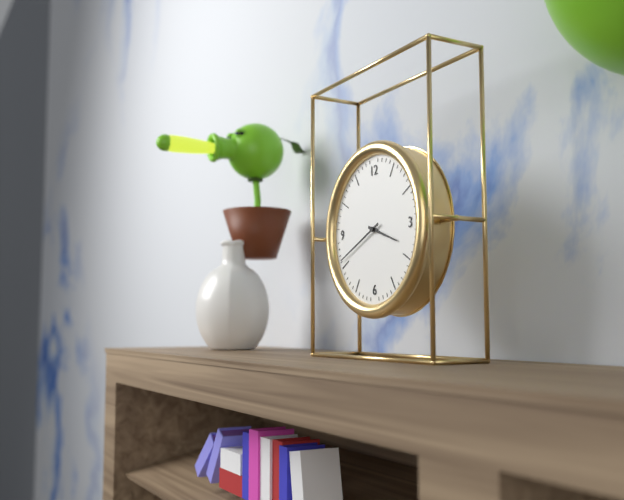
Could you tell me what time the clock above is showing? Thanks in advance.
3:41
